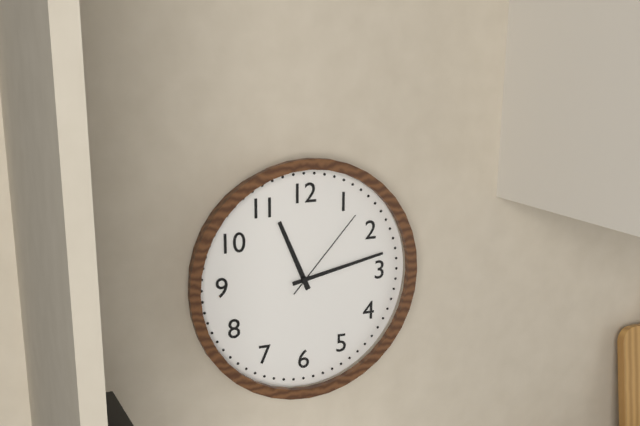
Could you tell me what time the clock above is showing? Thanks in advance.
11:13:07
